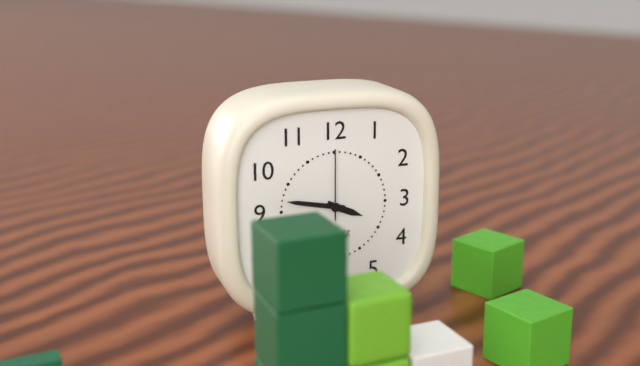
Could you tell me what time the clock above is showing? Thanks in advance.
3:47:00
